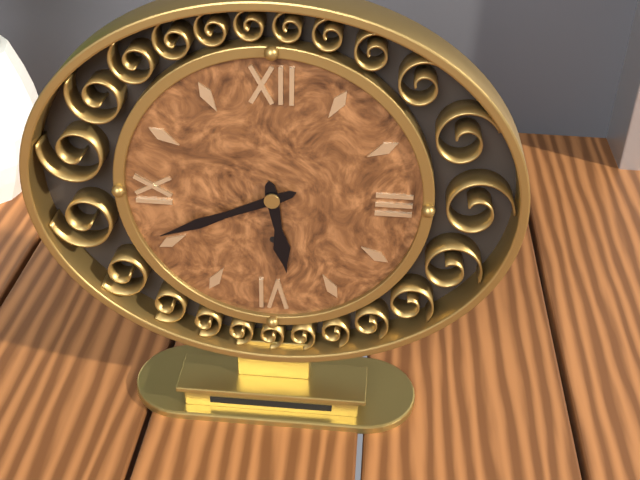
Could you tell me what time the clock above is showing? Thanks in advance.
5:41
